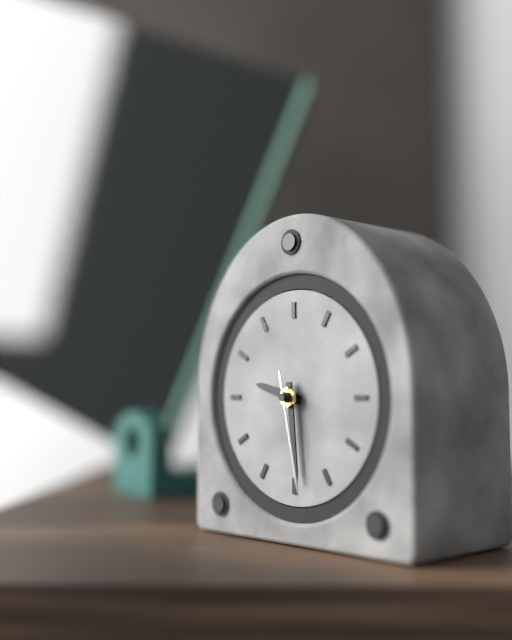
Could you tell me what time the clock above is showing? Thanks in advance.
9:29:28
